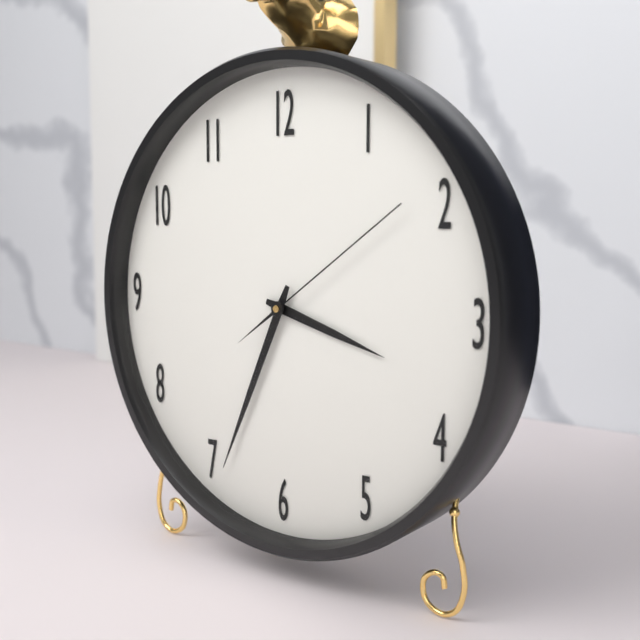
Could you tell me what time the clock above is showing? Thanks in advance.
3:34:09
